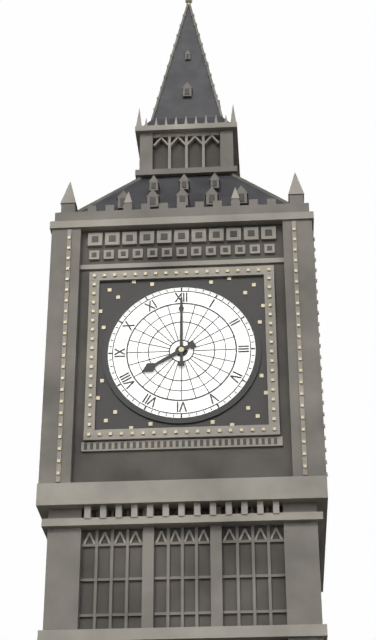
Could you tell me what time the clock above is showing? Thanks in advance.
8:00
